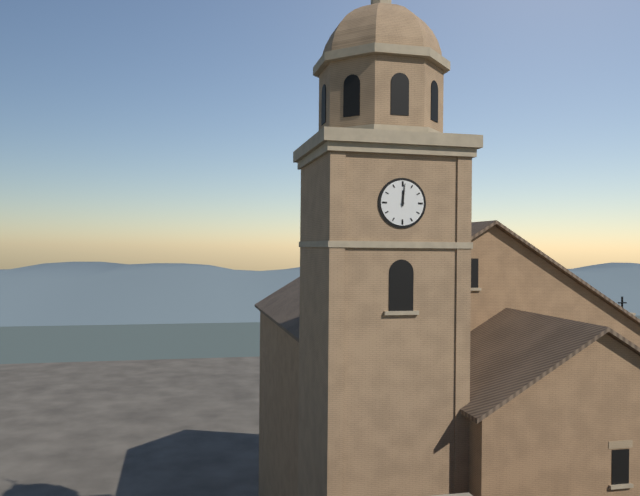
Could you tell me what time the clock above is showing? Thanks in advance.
12:01
